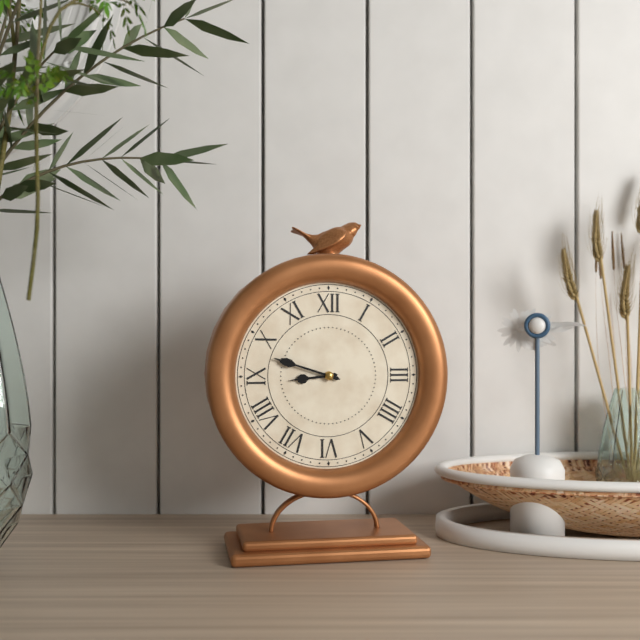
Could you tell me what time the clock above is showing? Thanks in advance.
8:48
